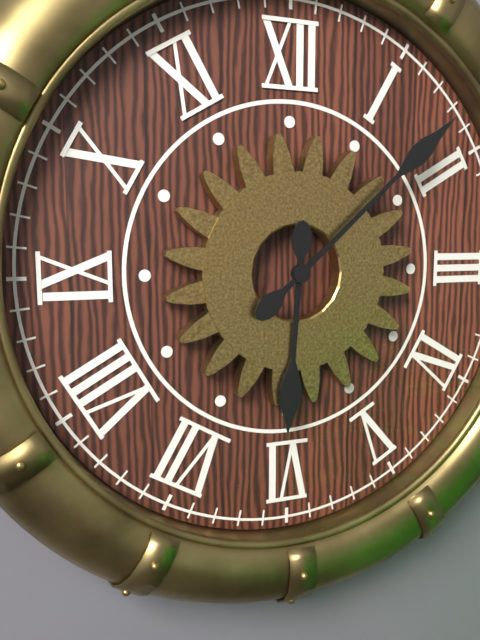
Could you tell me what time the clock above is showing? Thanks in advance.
6:08
